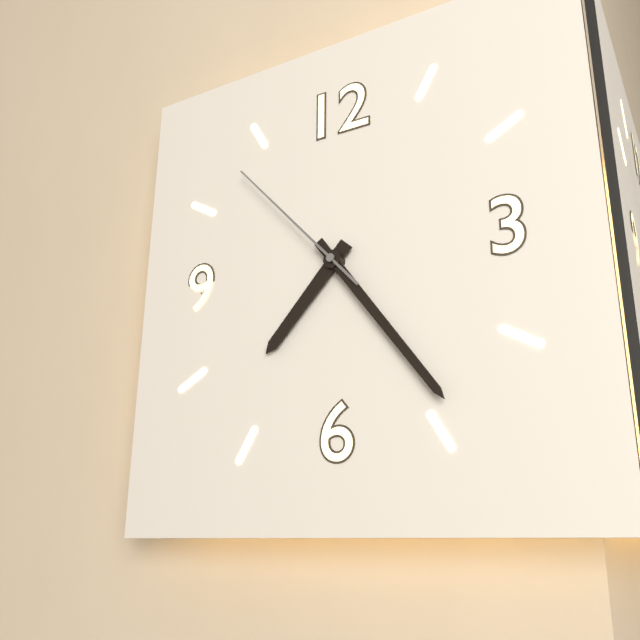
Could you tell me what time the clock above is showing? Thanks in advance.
7:24:53
